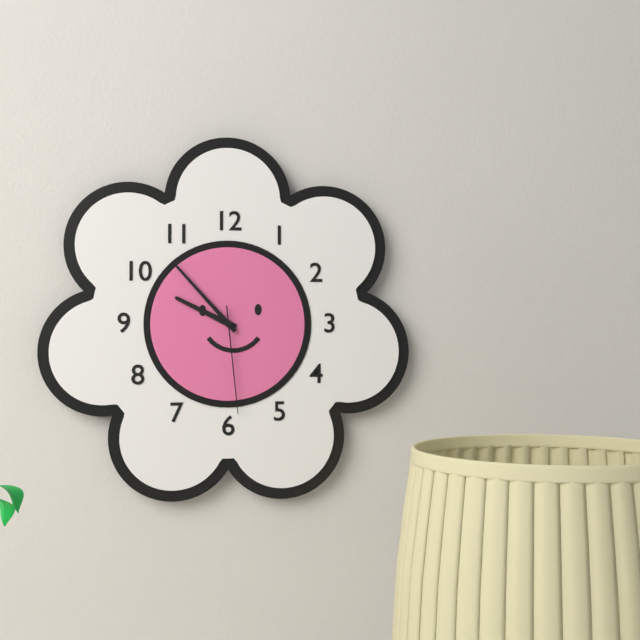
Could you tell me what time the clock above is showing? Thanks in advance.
9:53:29
